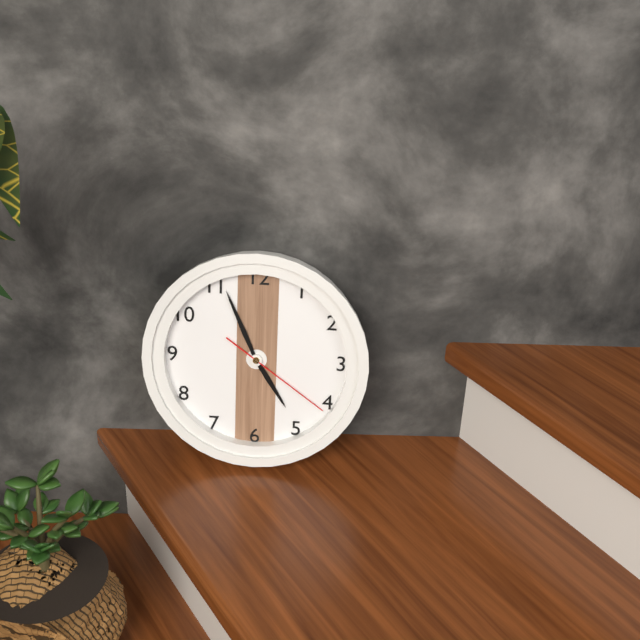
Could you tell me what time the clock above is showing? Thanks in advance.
4:56:21
